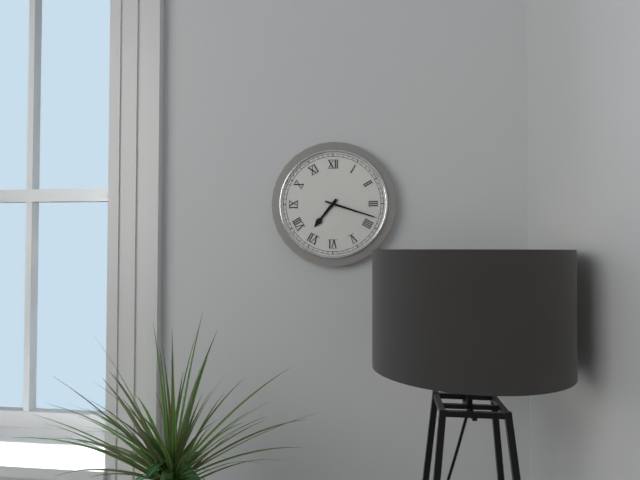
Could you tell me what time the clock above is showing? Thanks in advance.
7:18
